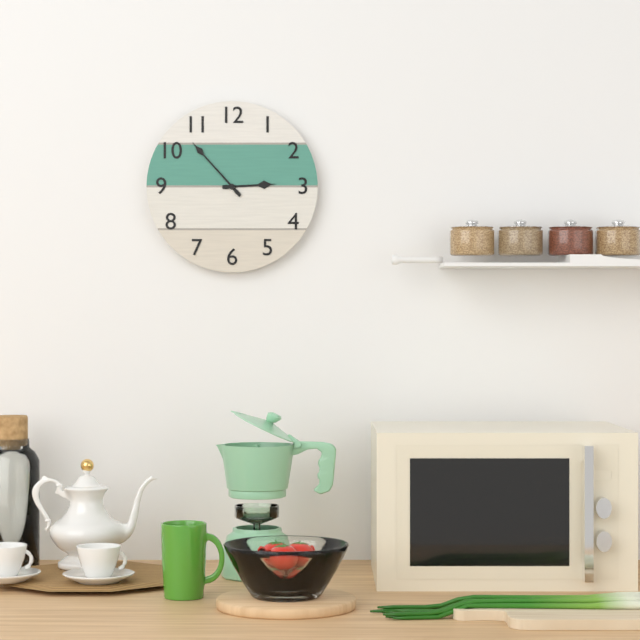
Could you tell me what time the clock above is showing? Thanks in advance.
2:53
